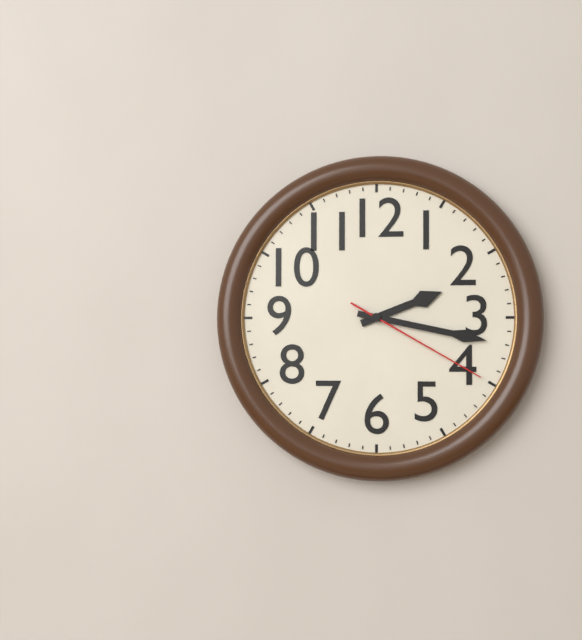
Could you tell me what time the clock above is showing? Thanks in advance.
2:17:20
